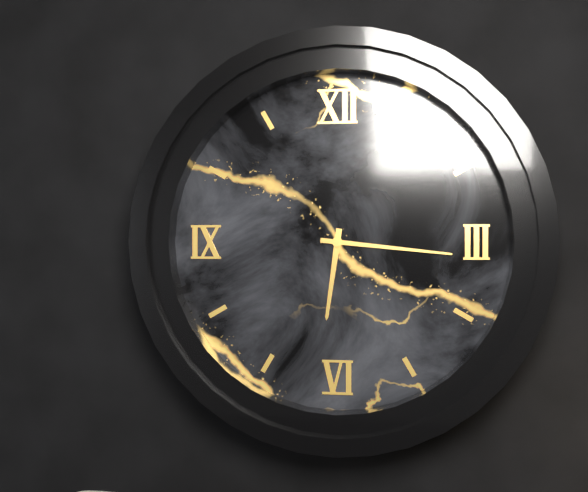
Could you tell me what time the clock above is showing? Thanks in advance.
6:16
